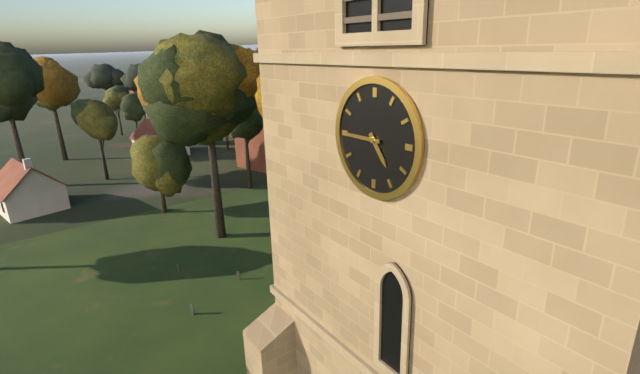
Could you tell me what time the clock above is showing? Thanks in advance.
4:45
